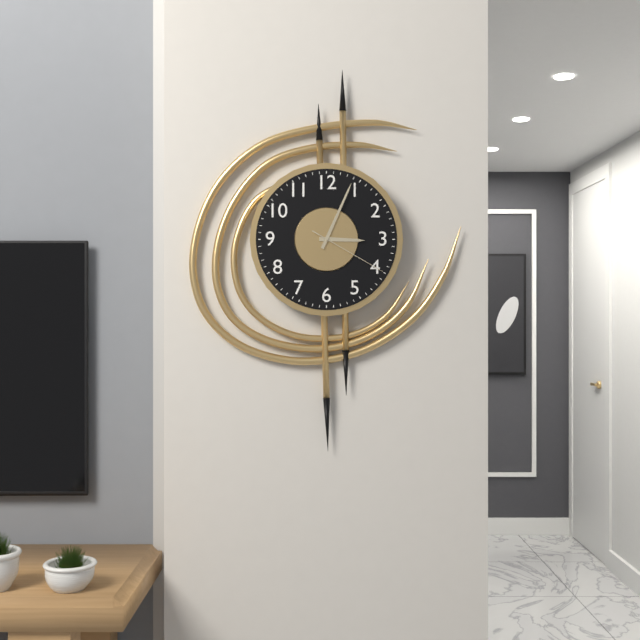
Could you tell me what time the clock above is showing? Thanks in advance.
3:04:20
